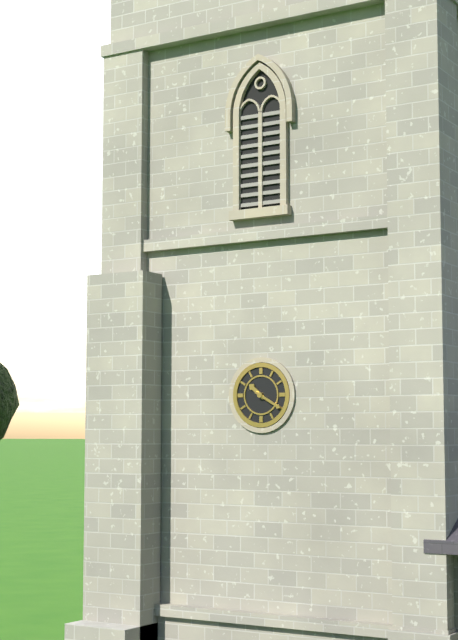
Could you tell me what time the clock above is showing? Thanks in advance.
10:20
